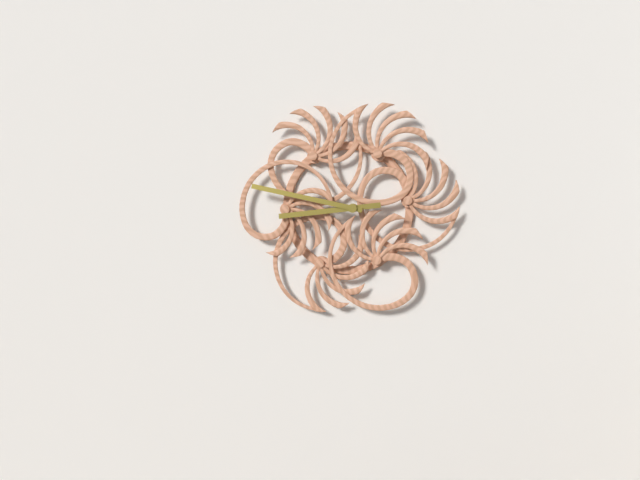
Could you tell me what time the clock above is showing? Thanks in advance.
8:47
